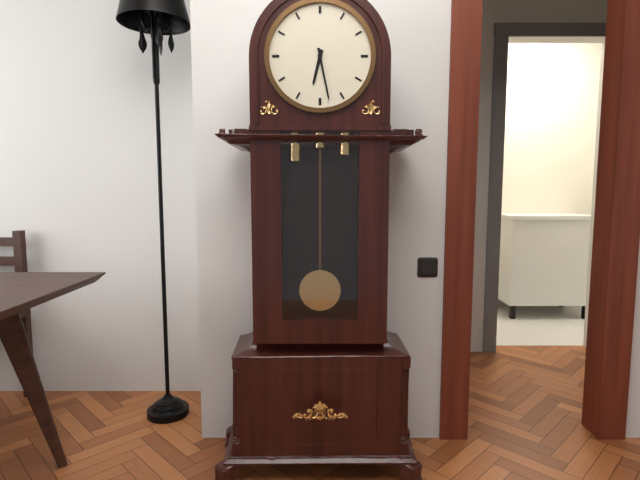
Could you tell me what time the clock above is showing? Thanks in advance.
6:28
